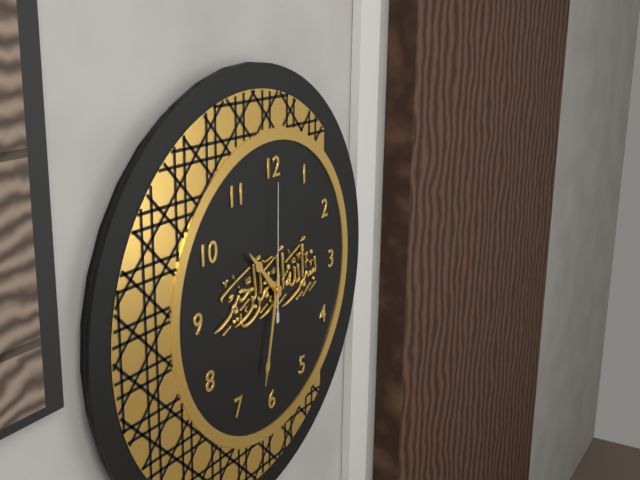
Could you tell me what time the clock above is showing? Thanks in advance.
10:32:00
